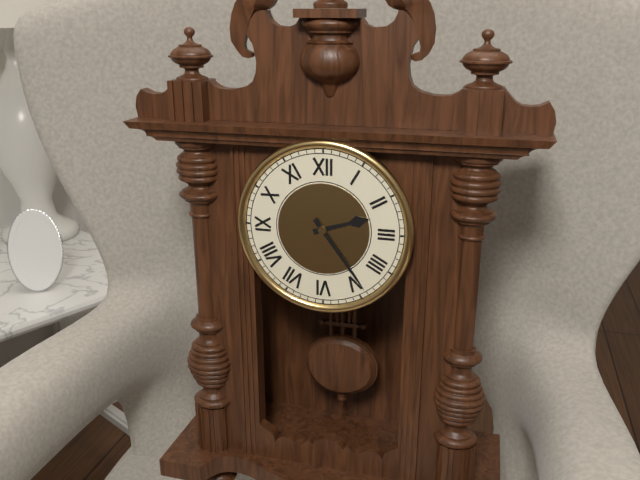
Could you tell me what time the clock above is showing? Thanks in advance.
2:24
